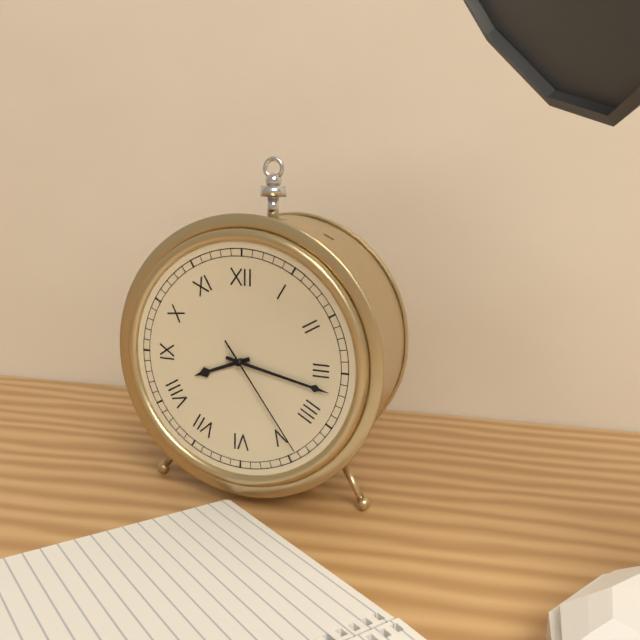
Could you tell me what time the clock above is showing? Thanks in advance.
8:17:24
